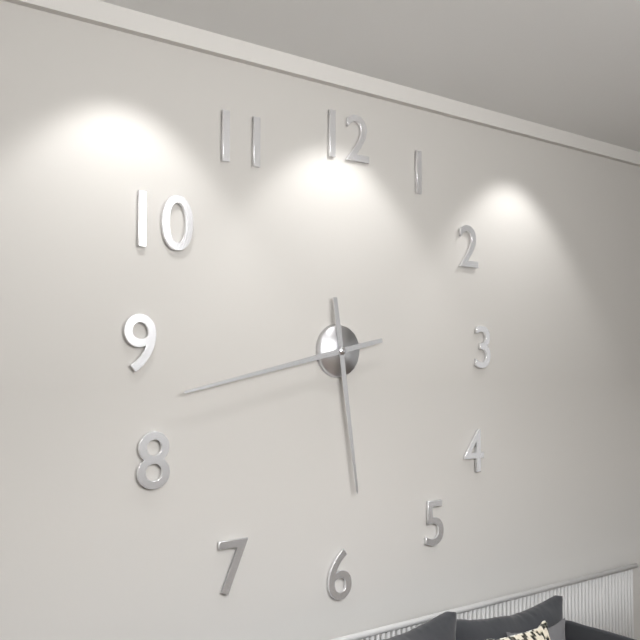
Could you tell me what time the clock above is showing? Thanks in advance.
5:43
